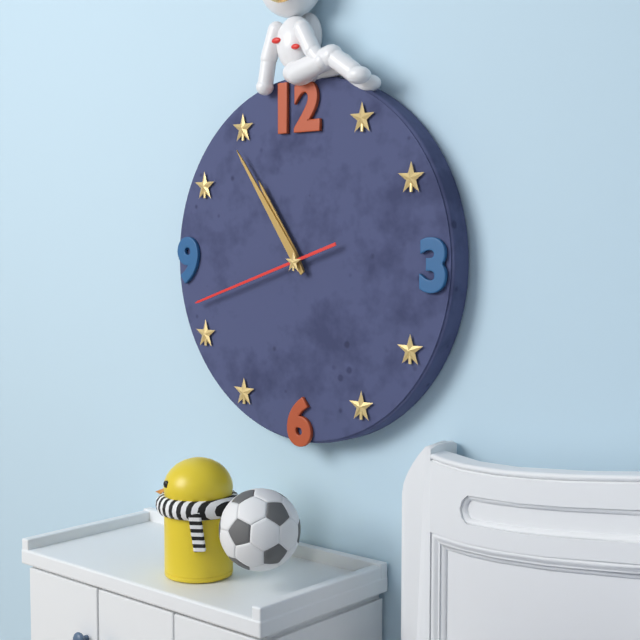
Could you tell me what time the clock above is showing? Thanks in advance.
10:54:42
